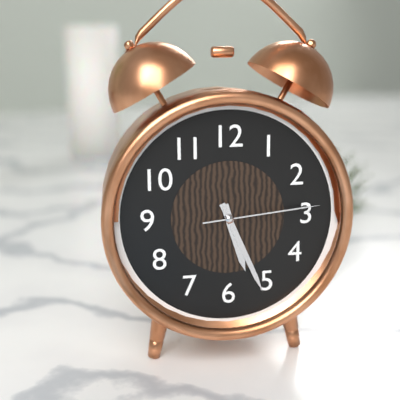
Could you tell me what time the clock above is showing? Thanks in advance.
5:26:14
